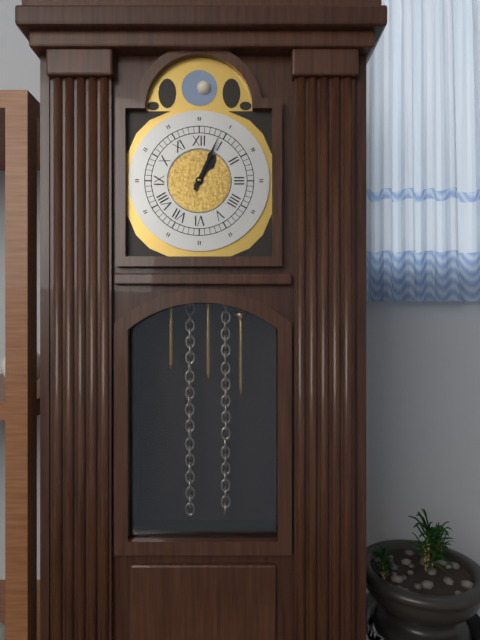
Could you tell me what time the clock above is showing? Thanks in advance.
1:04
